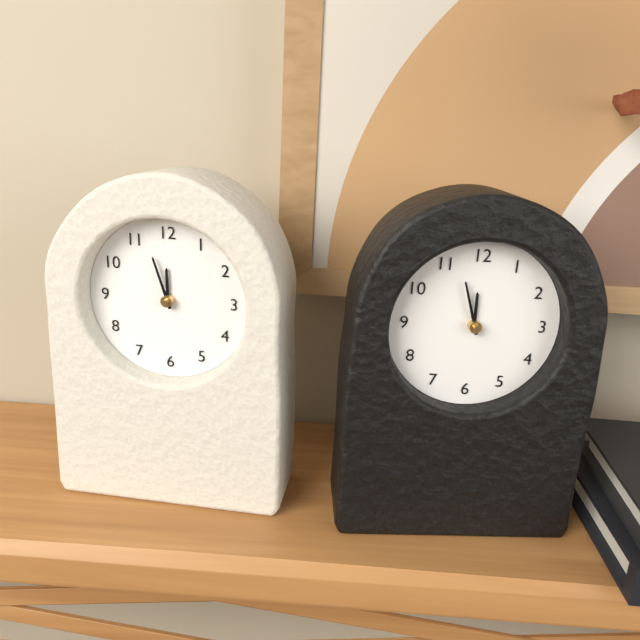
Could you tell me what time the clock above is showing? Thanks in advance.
11:57
